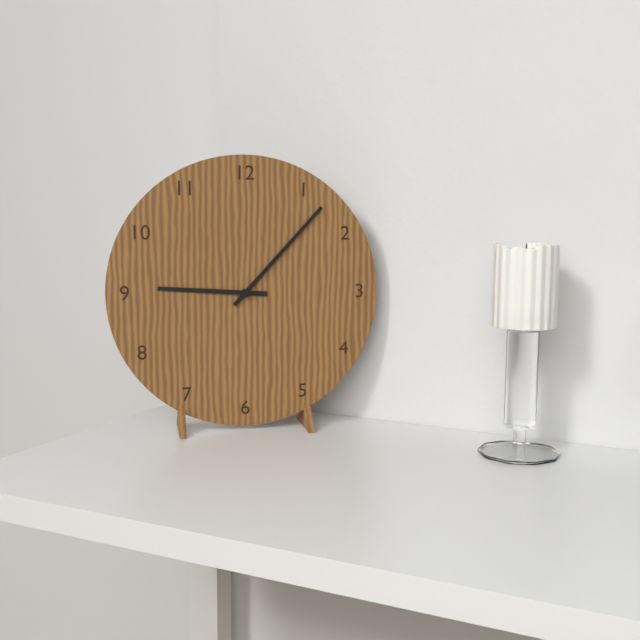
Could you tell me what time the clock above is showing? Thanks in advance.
9:07
